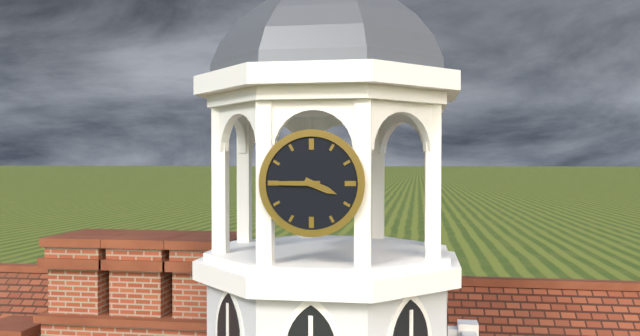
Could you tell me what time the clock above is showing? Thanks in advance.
3:45
